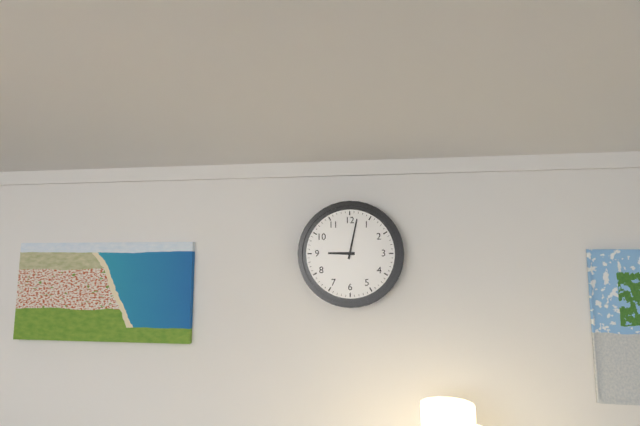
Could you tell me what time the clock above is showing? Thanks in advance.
9:02
